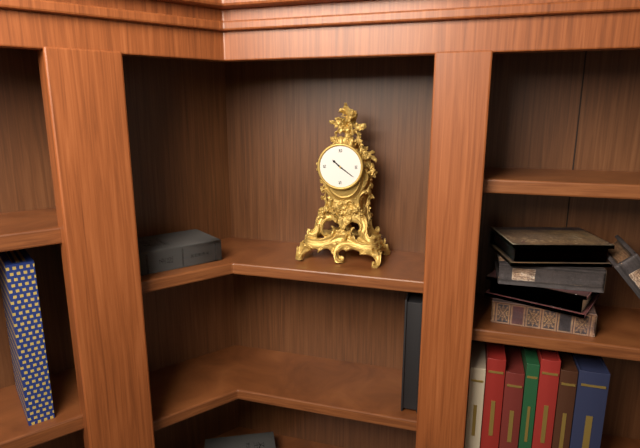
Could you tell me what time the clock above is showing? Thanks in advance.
10:21
